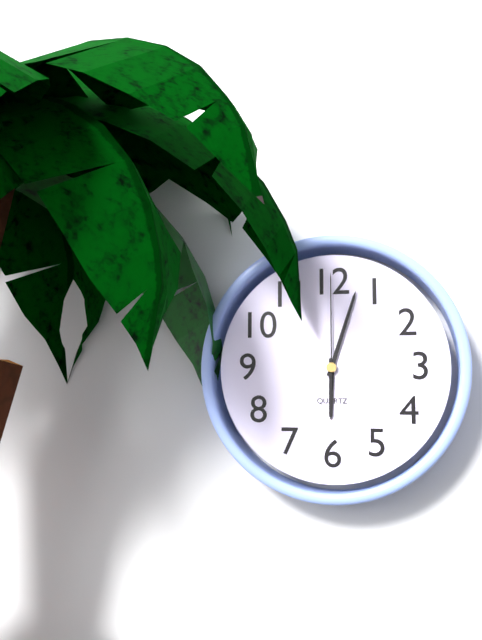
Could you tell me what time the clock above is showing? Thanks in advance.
6:03:00
